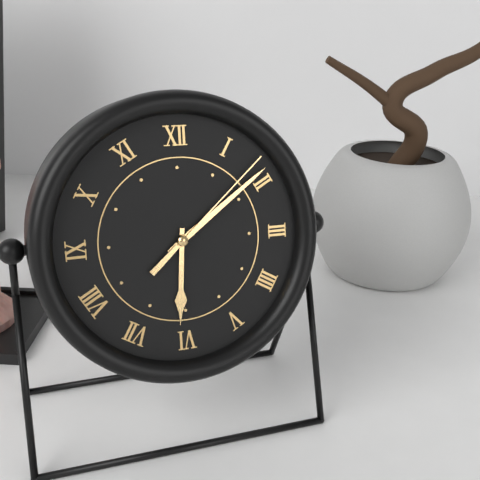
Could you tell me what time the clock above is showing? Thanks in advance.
6:09:08
